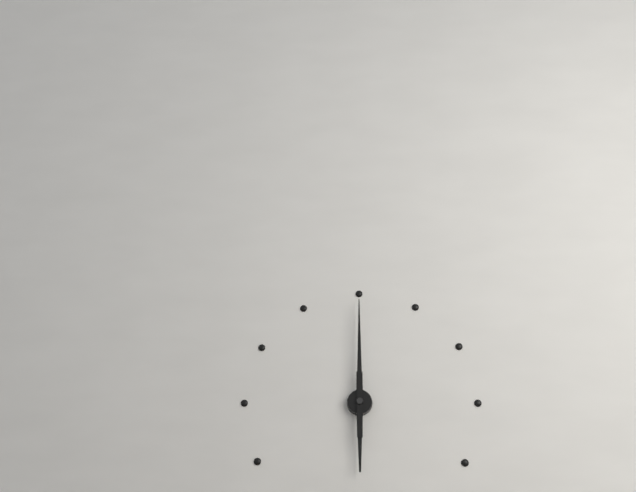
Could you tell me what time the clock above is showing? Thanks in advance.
6:00
